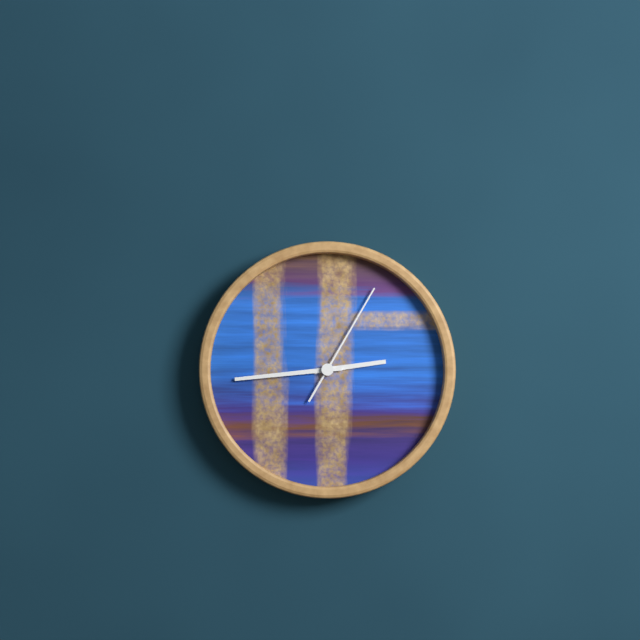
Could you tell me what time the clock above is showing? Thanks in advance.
2:44:05
